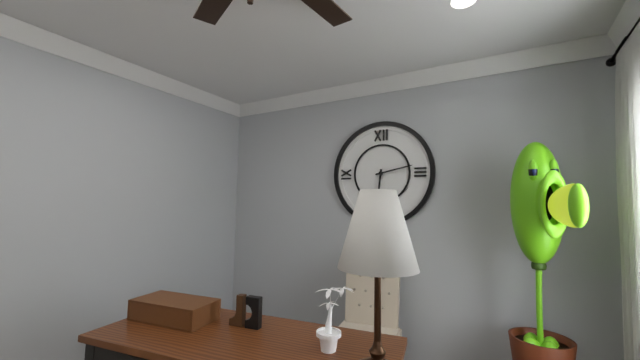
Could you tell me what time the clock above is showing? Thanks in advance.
6:13
